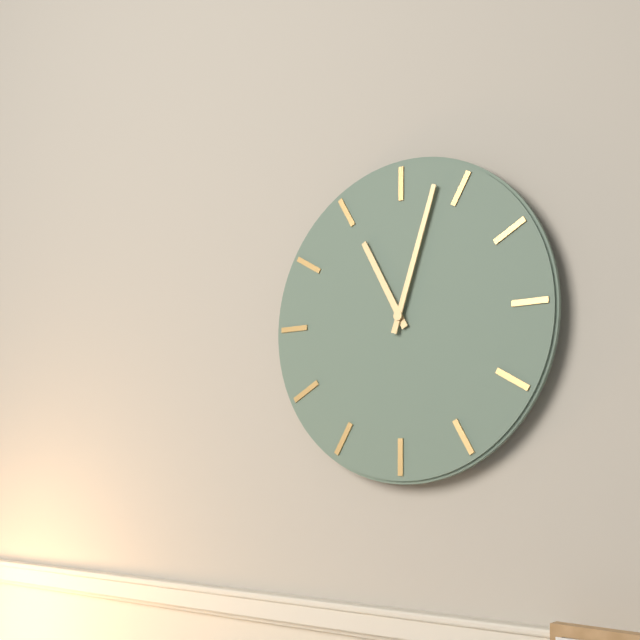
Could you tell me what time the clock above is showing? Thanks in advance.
11:03
